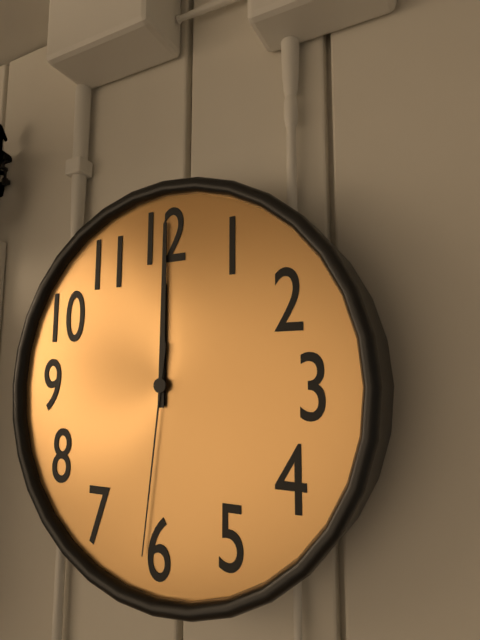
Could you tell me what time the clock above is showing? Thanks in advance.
12:00:31
